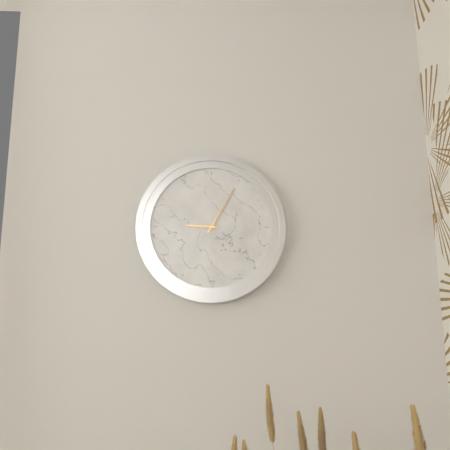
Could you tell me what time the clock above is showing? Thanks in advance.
9:05
